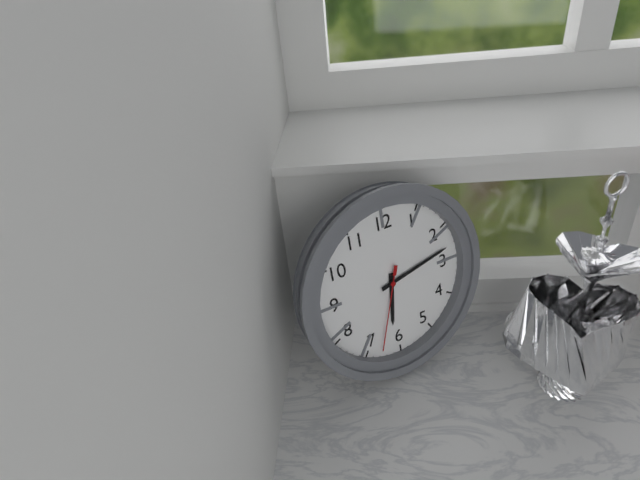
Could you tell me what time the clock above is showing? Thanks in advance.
6:13:33
